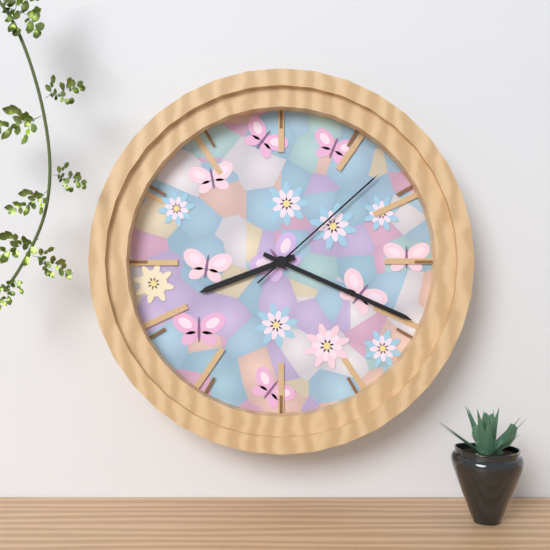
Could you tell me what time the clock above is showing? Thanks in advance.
8:19:08
